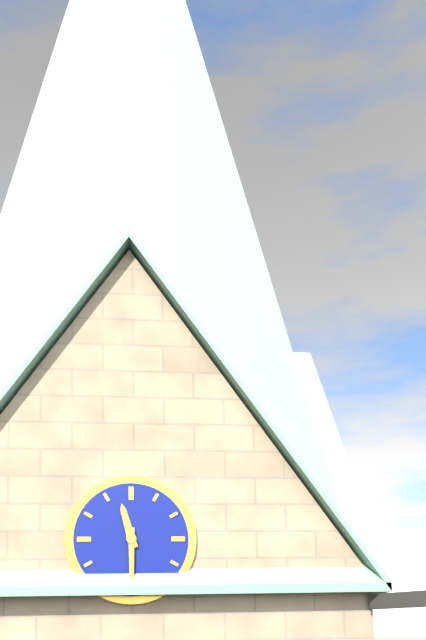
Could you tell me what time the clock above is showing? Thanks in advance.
11:30
